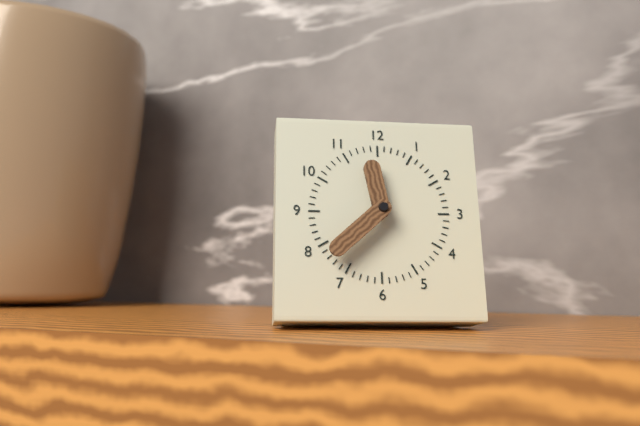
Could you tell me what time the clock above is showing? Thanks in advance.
11:38
